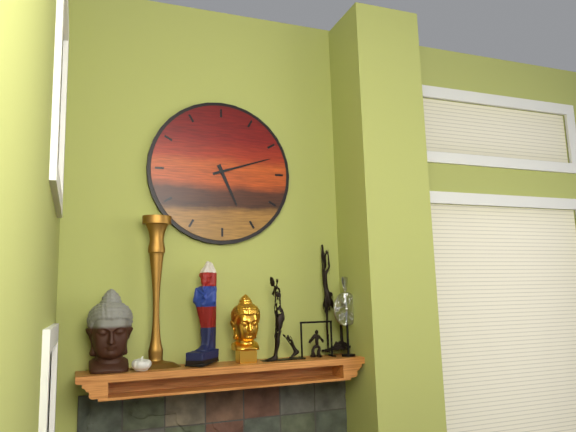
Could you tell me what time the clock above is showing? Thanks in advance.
5:12
